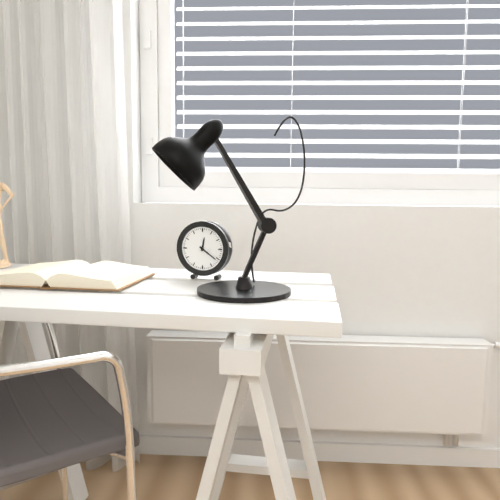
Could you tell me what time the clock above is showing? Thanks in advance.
12:21
